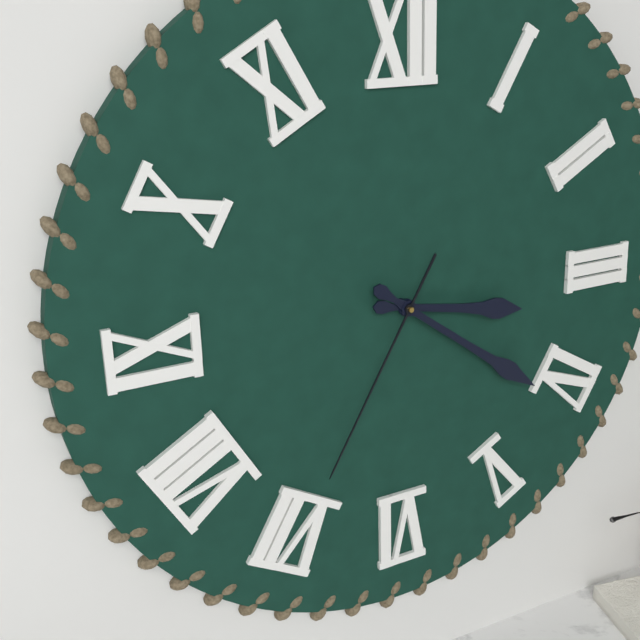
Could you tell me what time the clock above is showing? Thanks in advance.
3:21:35
